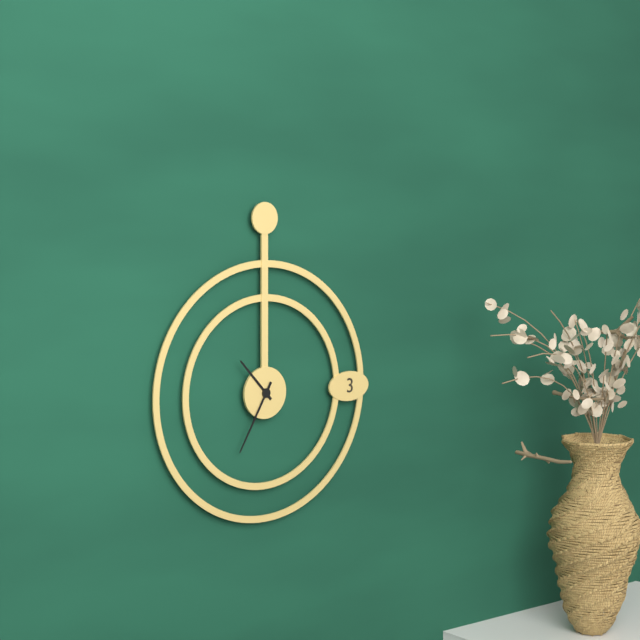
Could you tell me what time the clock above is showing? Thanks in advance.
10:35
